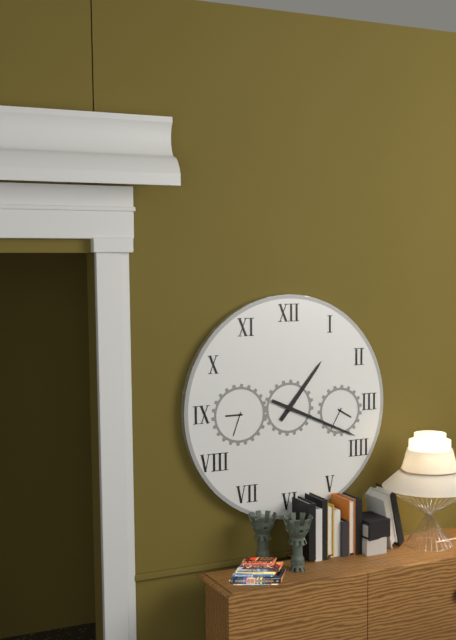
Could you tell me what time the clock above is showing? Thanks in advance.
1:19
